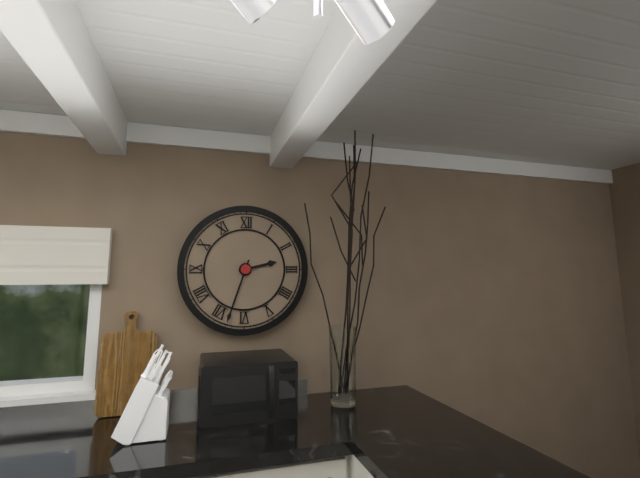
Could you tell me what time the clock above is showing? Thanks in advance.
2:33
